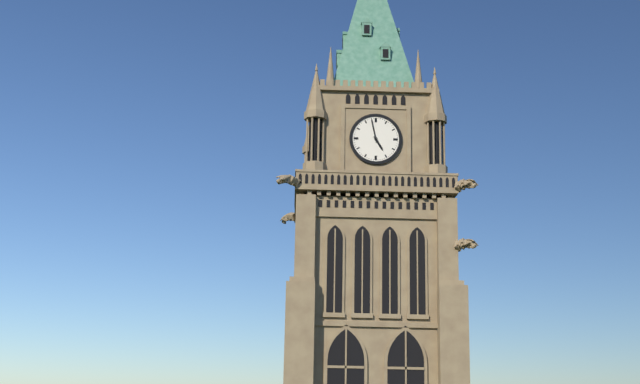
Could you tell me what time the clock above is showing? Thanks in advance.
4:58
